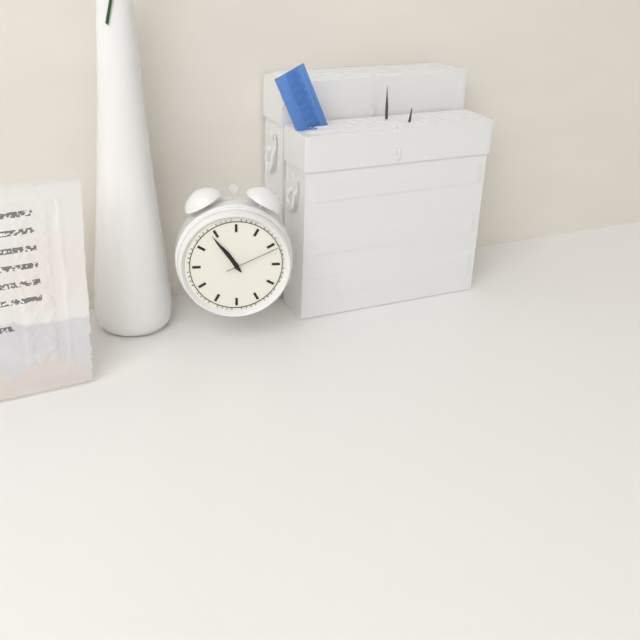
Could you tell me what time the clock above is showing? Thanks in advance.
10:54:11
